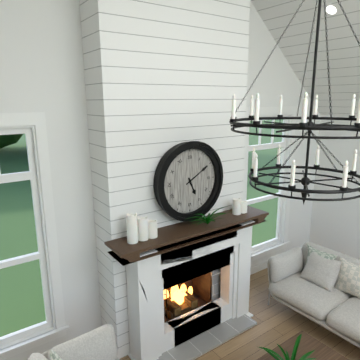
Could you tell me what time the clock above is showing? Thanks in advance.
5:10
